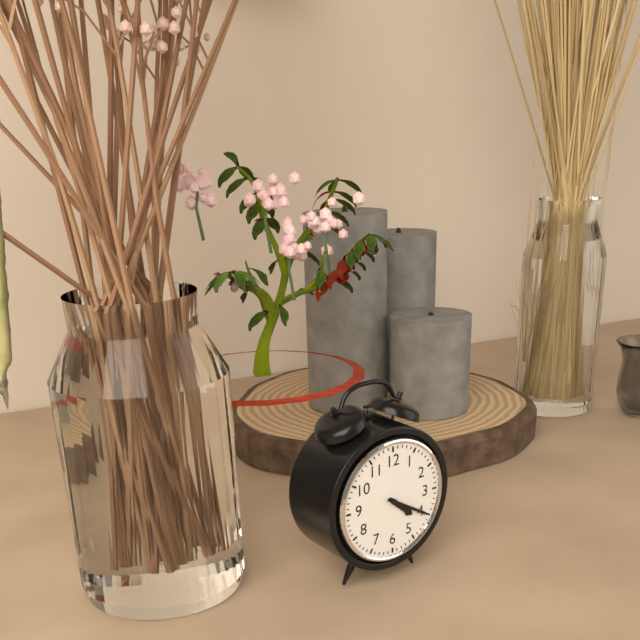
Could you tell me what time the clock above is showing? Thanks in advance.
4:20
